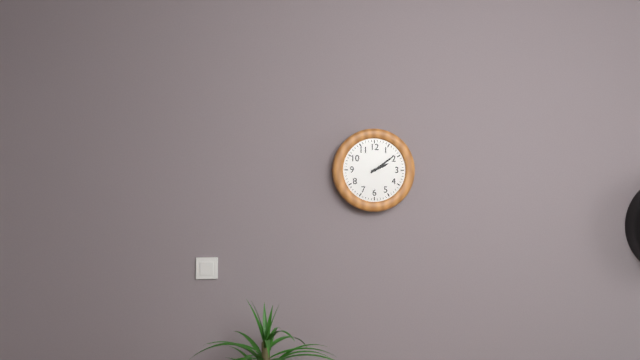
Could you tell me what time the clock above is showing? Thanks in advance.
2:09
